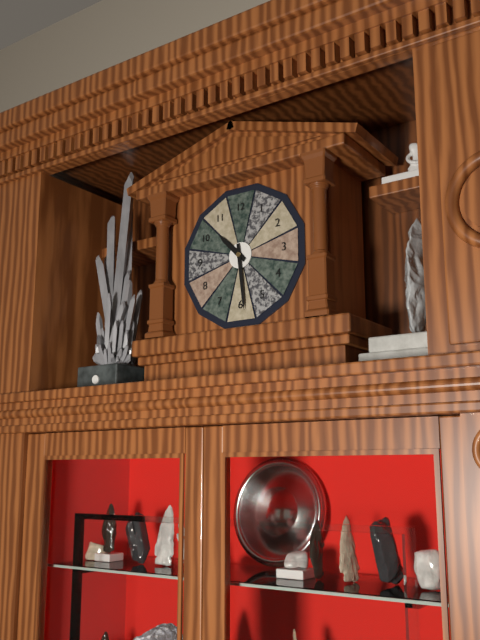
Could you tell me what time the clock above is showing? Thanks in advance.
10:29
